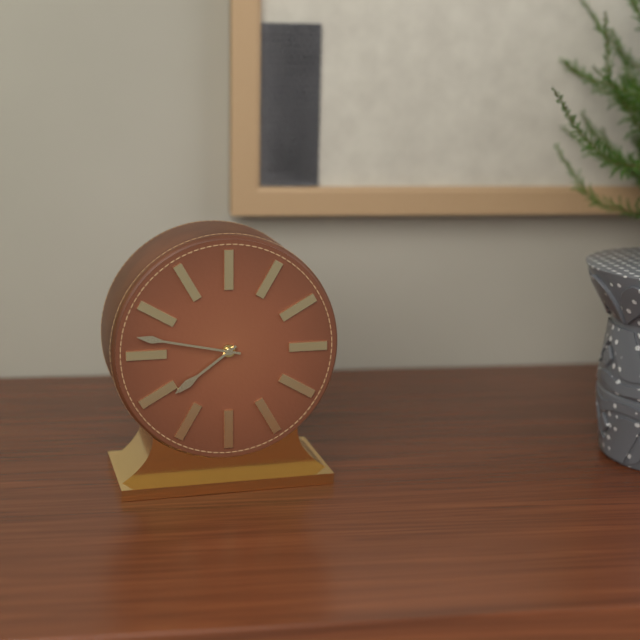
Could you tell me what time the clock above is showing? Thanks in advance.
7:47
